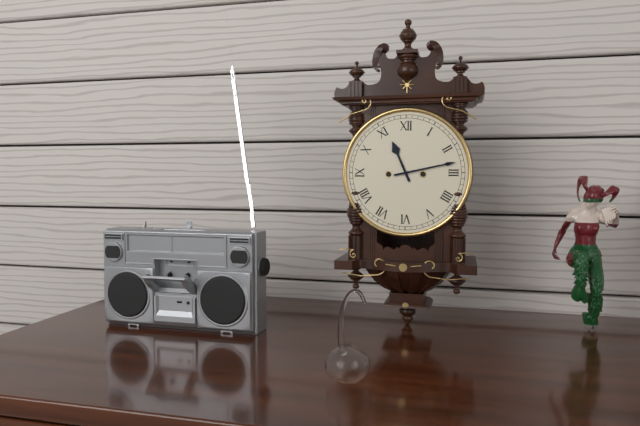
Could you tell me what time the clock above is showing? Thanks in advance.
11:13
